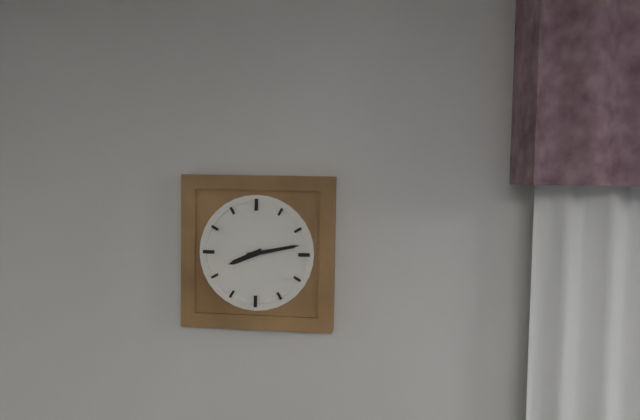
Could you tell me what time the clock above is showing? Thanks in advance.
8:13
